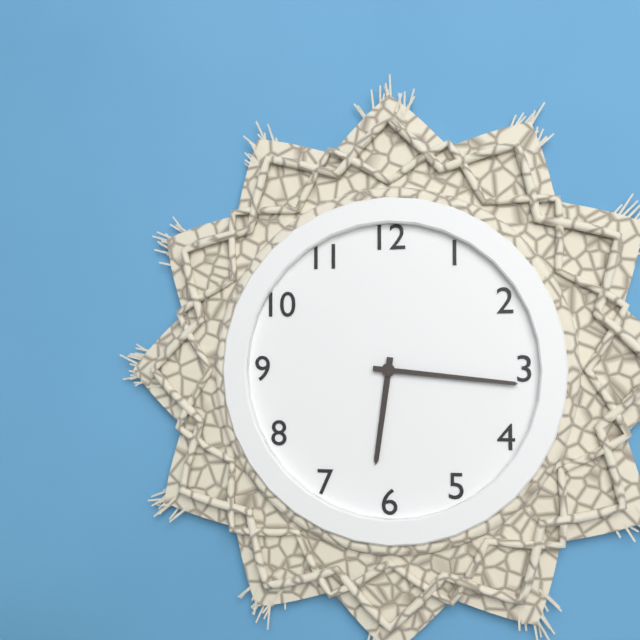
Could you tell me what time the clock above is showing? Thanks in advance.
6:16
